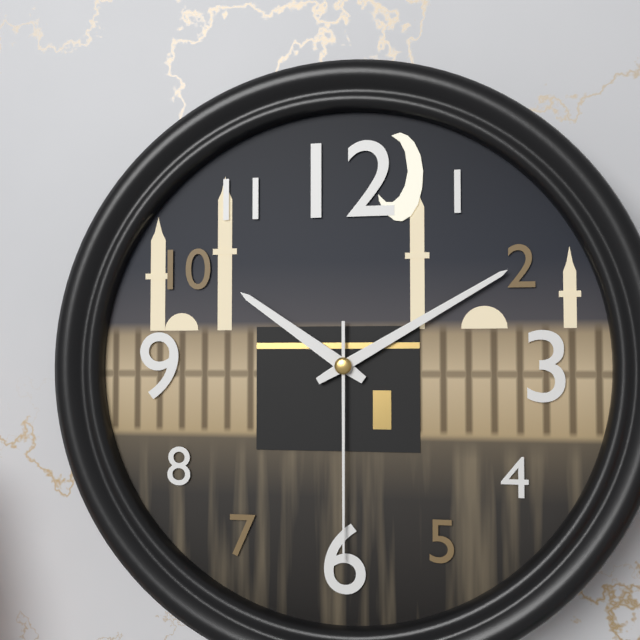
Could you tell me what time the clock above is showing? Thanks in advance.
10:10:30
